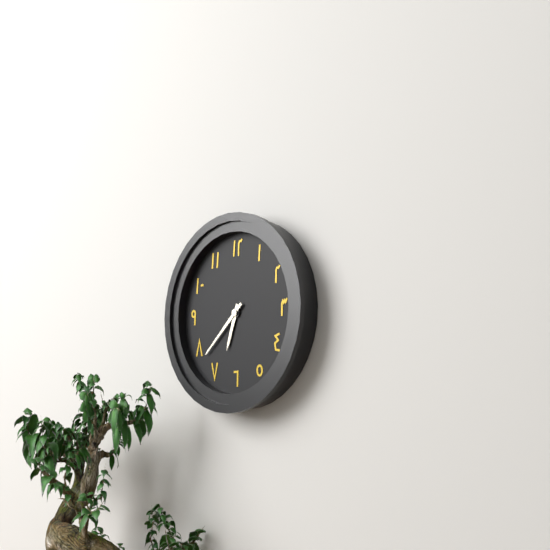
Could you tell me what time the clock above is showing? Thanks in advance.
6:38
